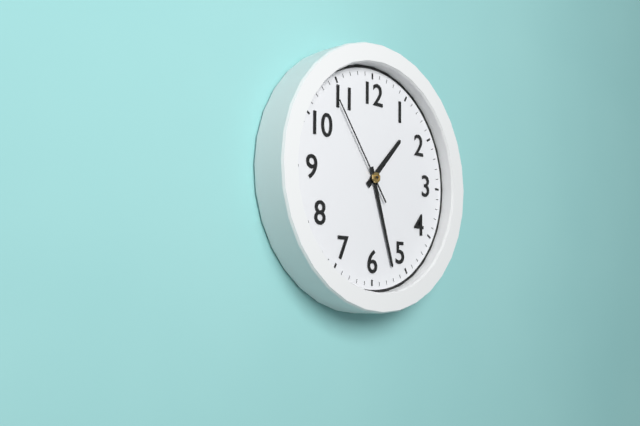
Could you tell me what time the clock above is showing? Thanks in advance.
1:27:54
